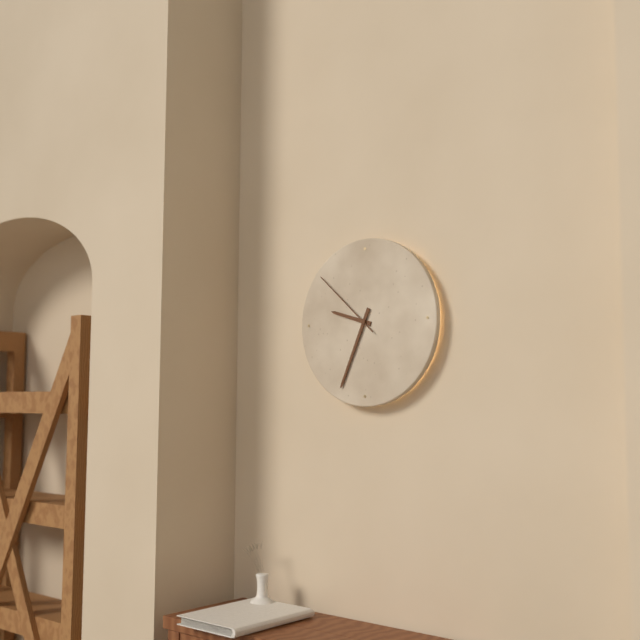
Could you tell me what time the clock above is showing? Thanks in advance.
9:34:52
